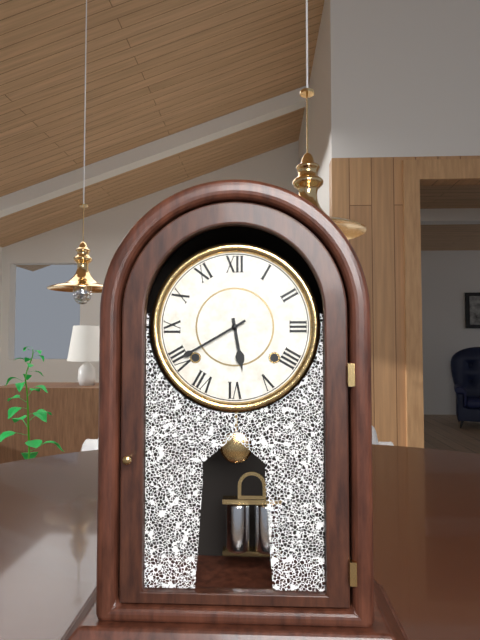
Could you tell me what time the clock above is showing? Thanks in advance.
5:40
